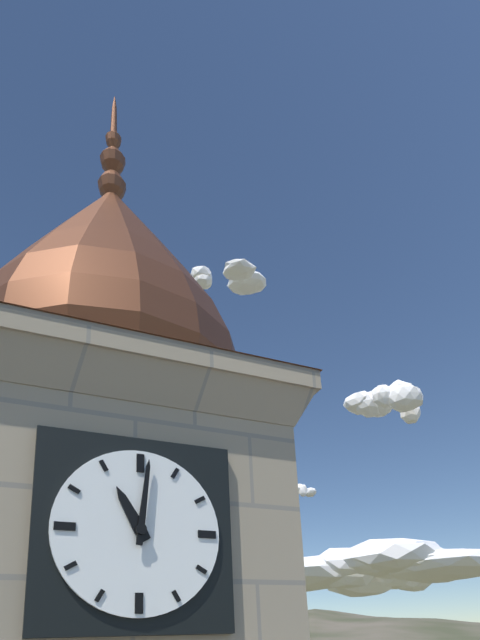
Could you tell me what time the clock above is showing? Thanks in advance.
11:01
